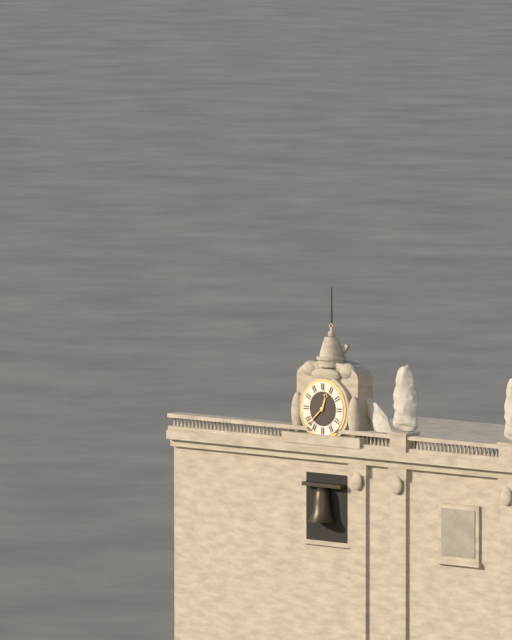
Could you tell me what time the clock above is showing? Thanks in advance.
12:38
